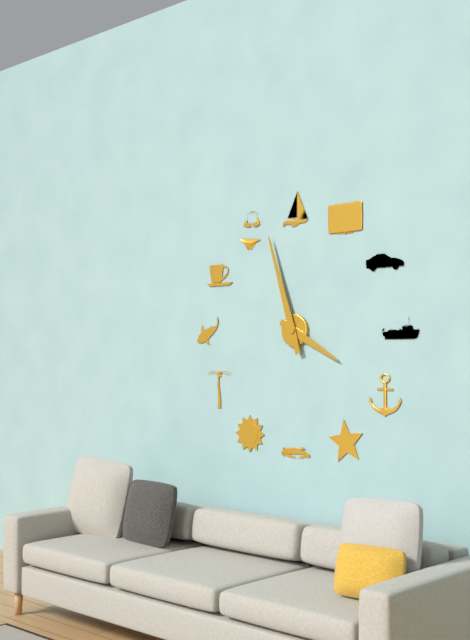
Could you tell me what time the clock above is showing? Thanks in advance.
3:57
